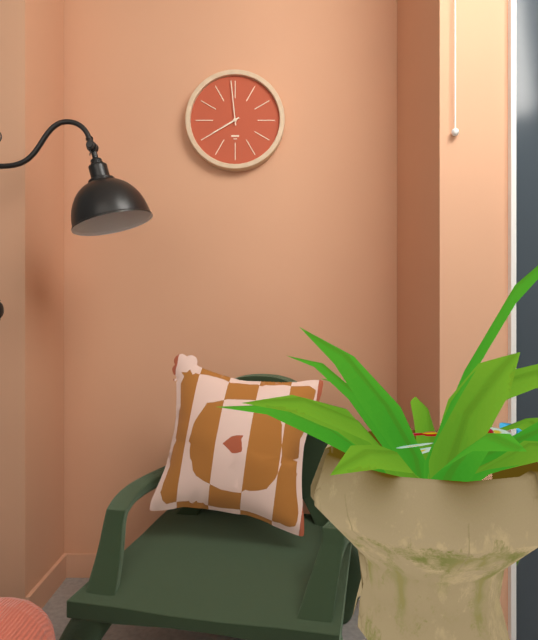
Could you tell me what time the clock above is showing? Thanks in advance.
7:59
